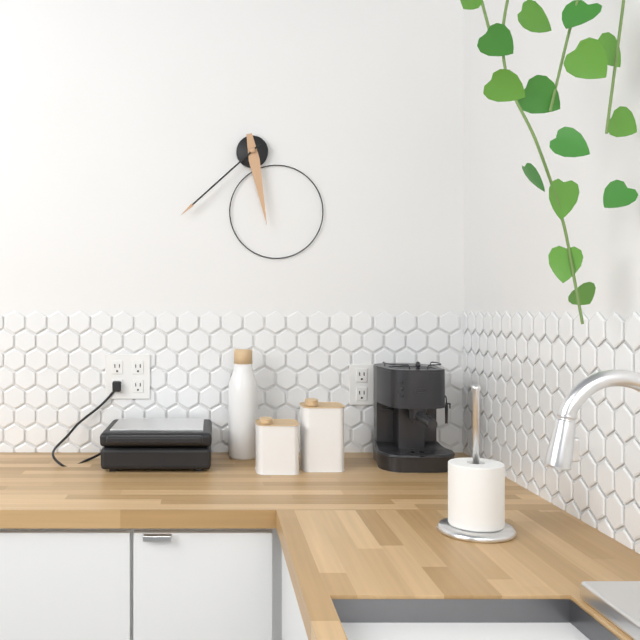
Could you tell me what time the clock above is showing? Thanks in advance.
5:38
